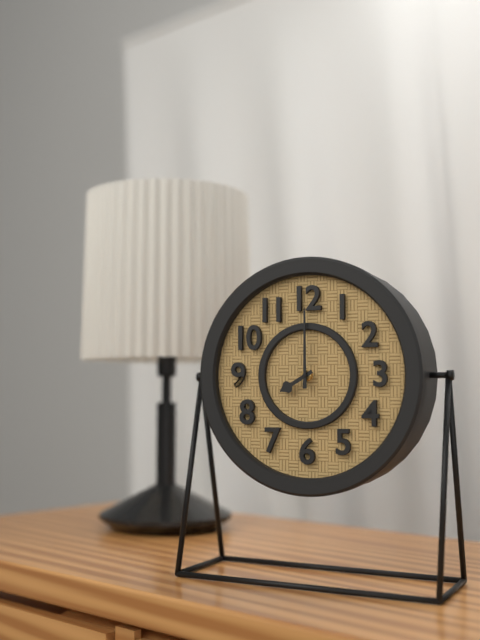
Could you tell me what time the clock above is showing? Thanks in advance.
8:00
